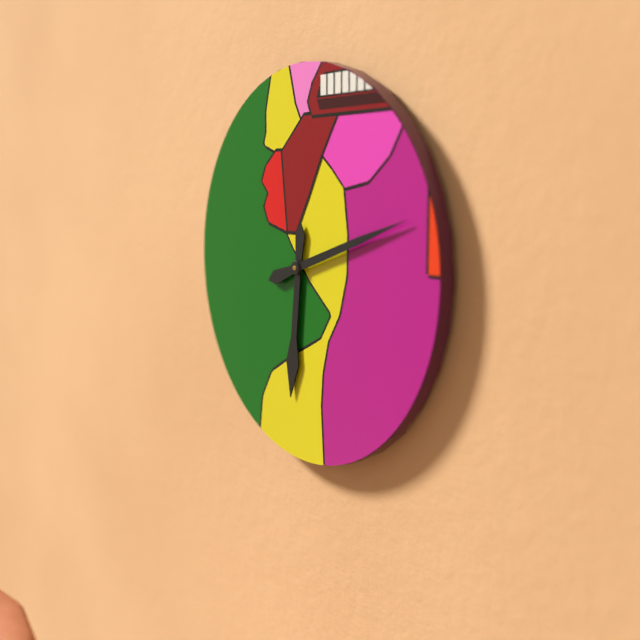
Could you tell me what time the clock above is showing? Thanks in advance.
6:12
